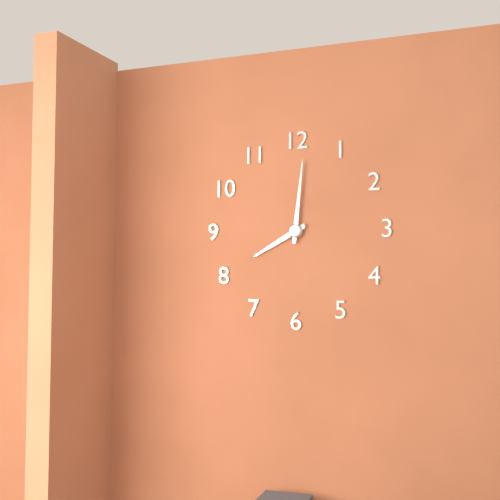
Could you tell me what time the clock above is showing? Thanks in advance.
8:01
